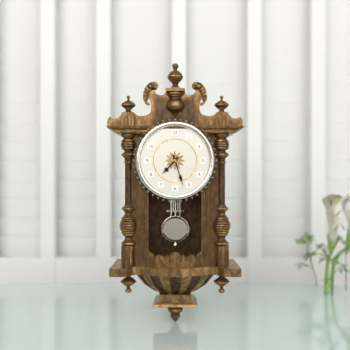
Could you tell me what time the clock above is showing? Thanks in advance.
7:27
